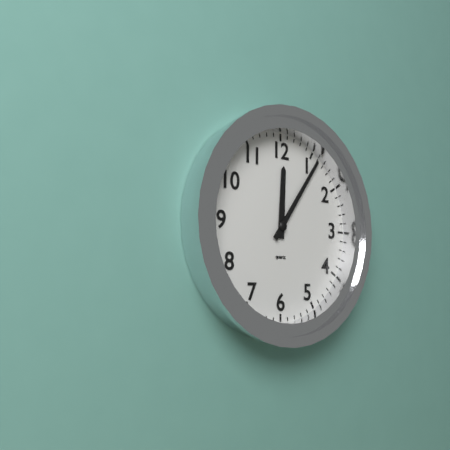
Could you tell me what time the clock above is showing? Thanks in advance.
12:06
